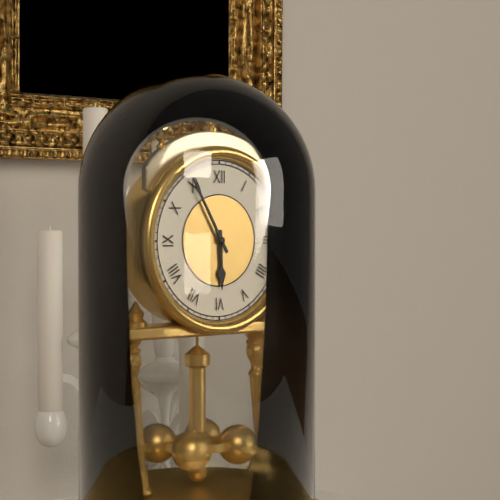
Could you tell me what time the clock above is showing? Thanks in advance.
5:55
